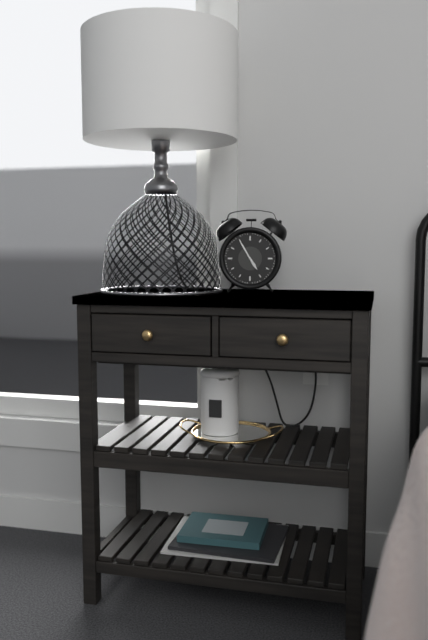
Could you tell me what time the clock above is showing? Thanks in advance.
4:55
